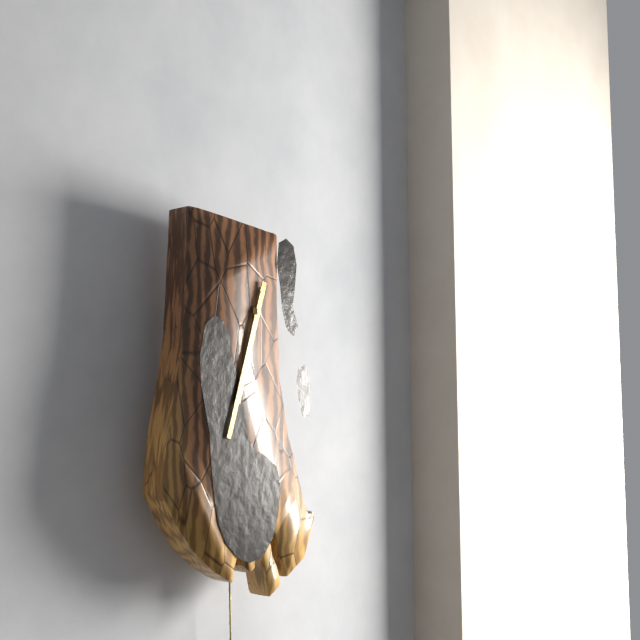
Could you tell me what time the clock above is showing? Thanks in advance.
6:33
